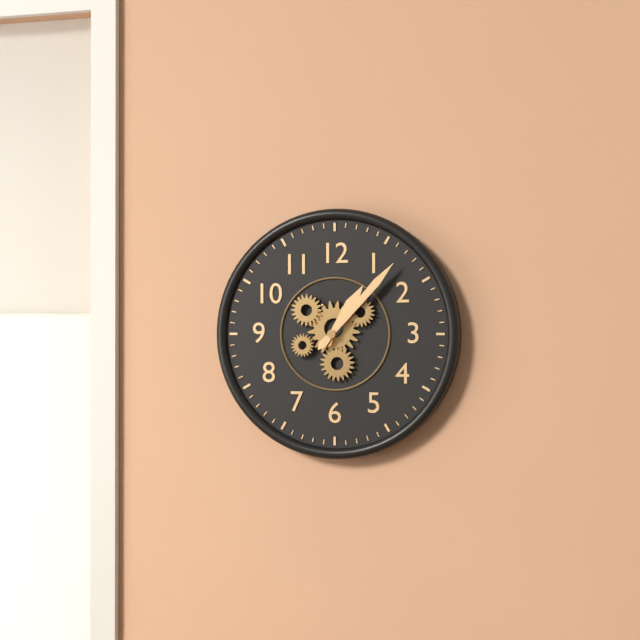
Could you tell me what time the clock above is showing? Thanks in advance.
1:07
